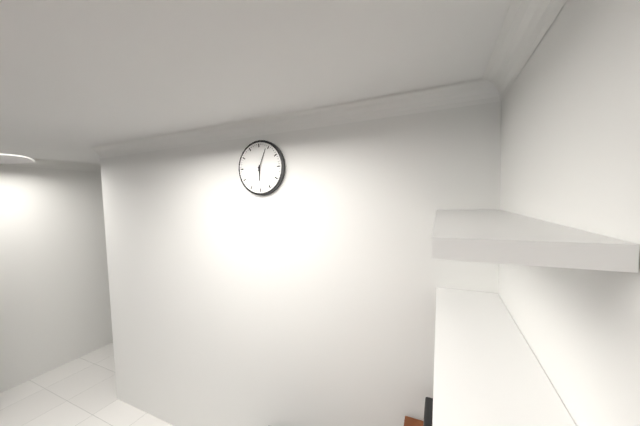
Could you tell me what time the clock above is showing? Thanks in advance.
6:04
